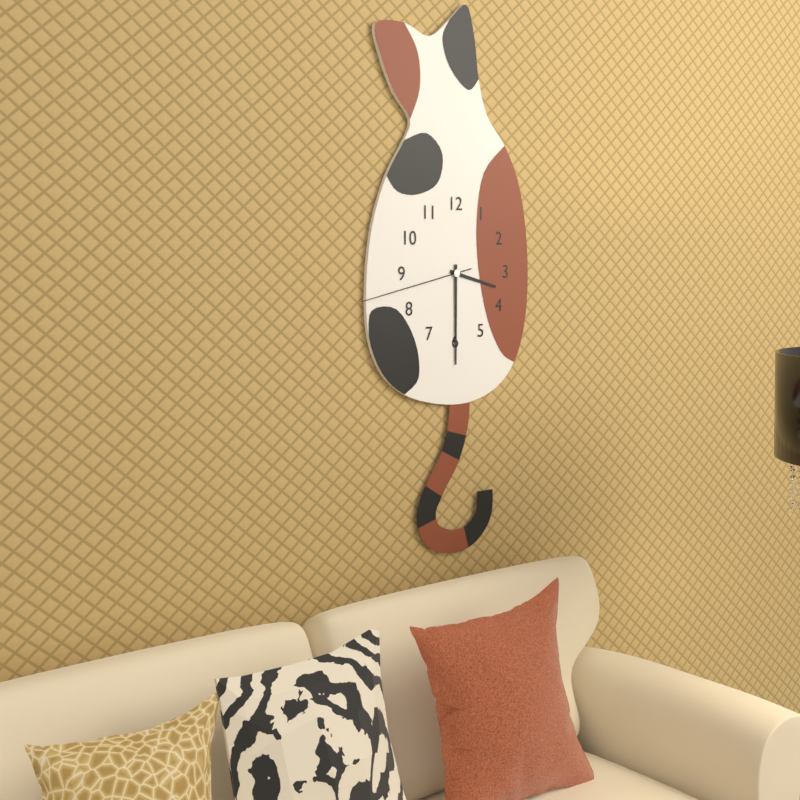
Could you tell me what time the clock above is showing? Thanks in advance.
3:30:43
